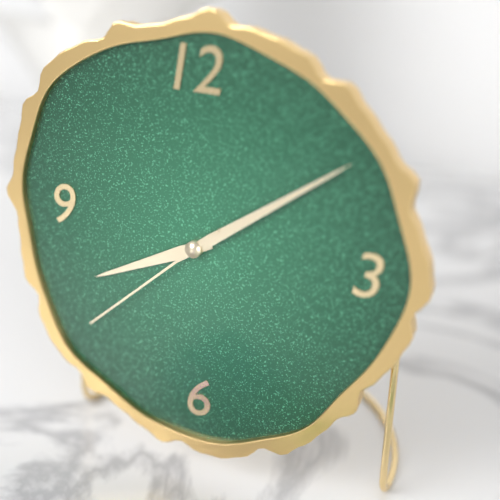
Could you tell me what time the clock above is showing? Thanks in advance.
8:09:38
